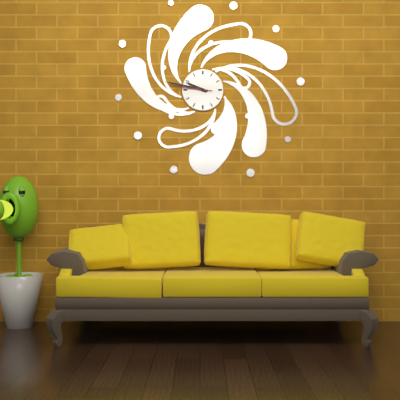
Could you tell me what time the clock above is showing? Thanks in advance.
9:47
